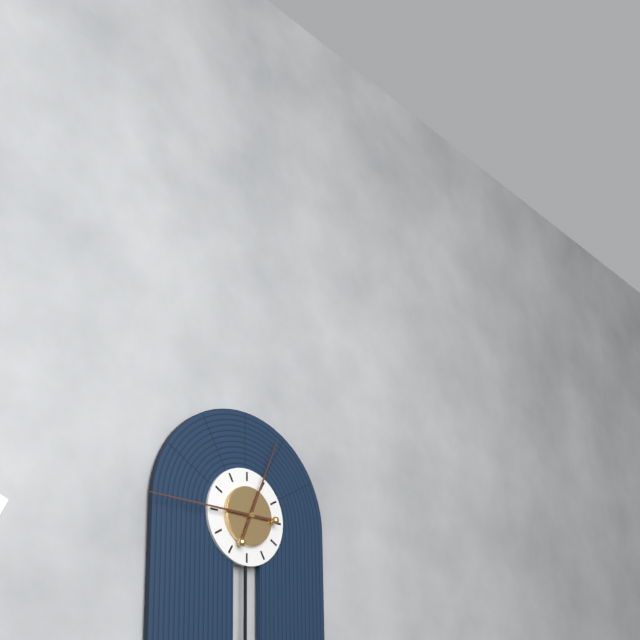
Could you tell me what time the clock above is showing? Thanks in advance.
12:45
